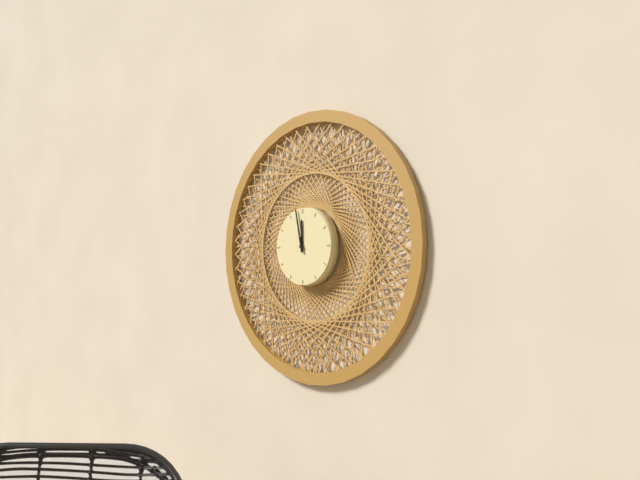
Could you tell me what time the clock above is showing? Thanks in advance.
11:58
